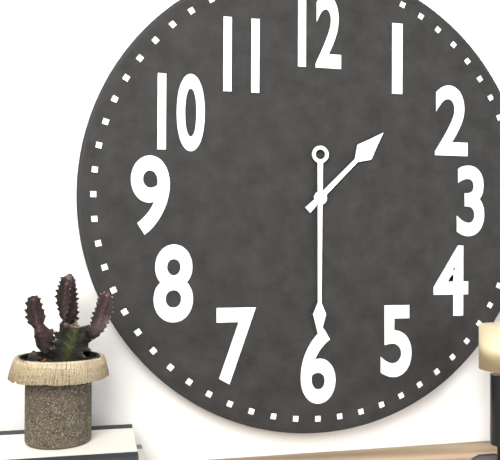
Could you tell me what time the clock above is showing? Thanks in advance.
1:30
